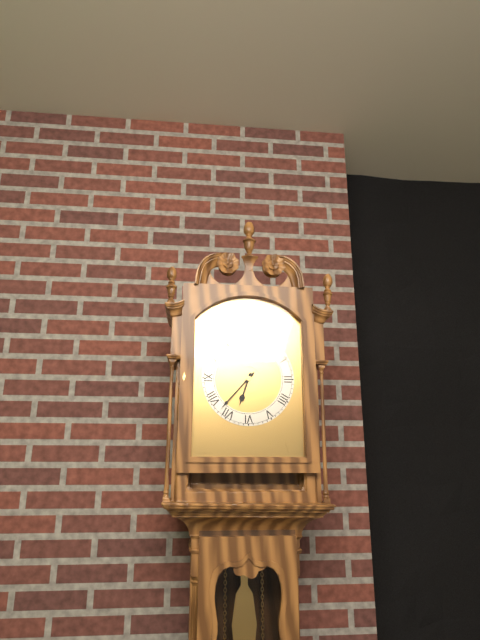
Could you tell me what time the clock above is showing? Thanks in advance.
6:37
